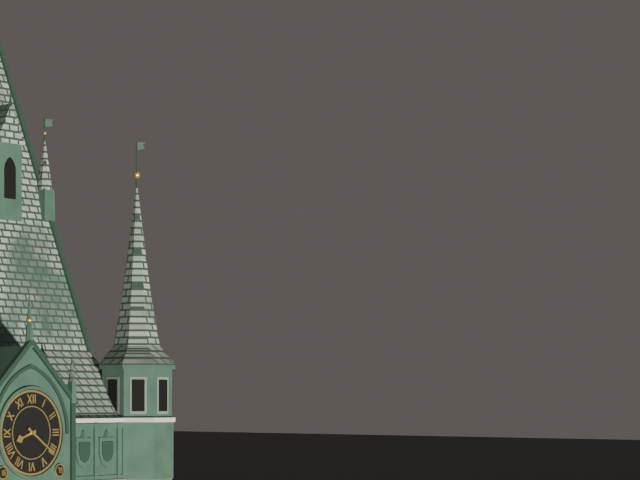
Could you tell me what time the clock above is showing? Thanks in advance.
8:21
